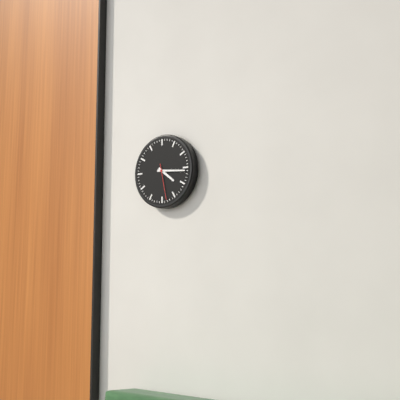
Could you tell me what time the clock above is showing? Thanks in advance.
4:16
